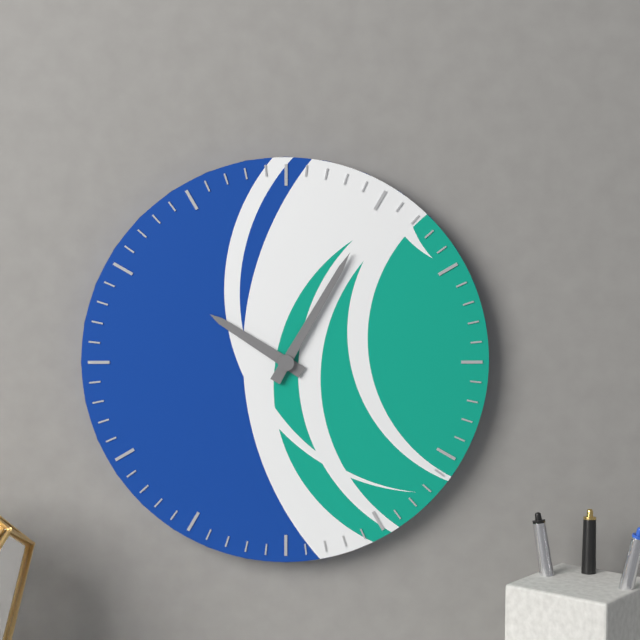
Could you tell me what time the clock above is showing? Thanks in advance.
10:05
